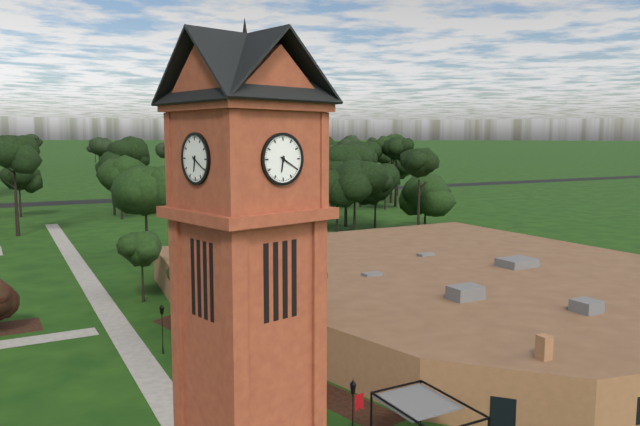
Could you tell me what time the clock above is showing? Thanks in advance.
6:20
